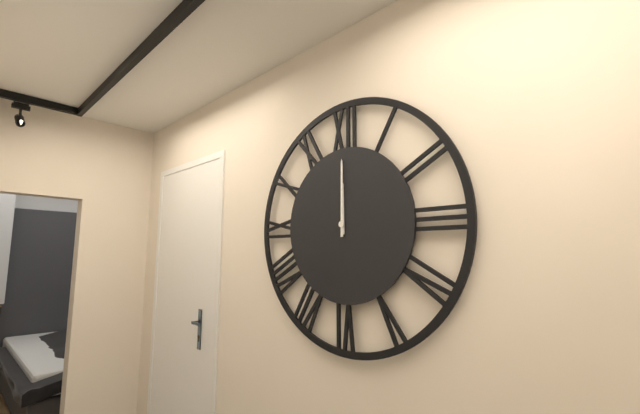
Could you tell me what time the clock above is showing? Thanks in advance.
12:00
